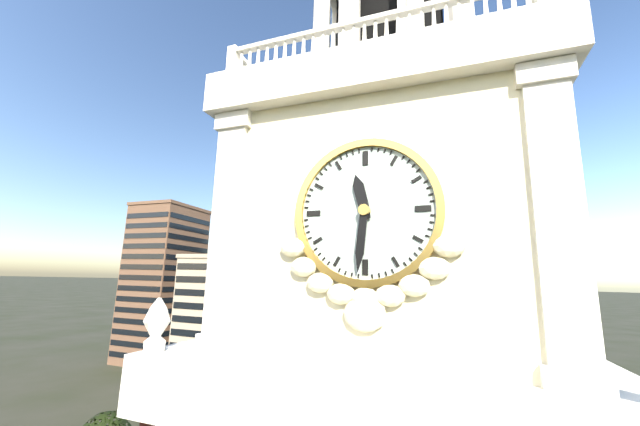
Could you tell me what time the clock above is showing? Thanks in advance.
11:31
